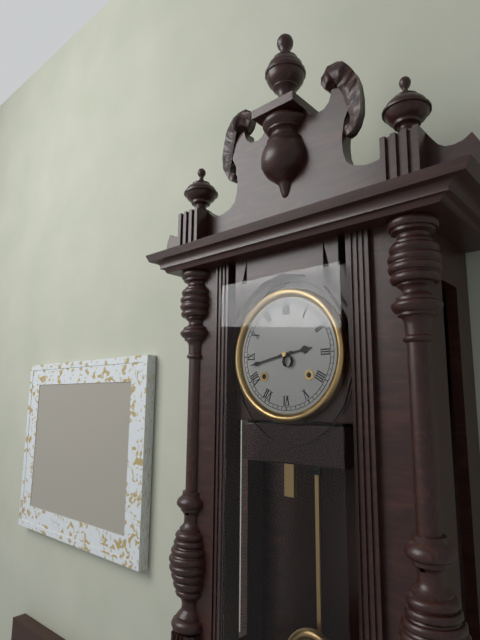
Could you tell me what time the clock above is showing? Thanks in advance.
2:43
